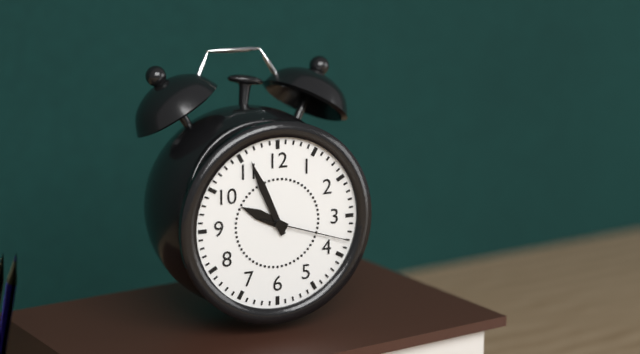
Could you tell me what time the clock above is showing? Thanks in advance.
9:56:18
